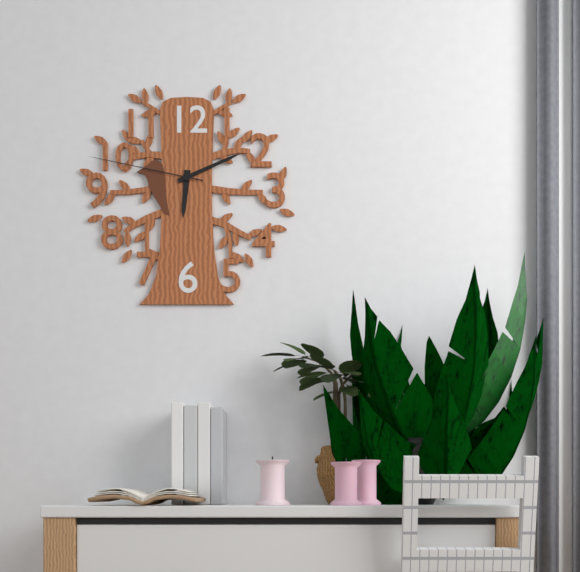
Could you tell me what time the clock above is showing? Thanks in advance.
6:11:47
